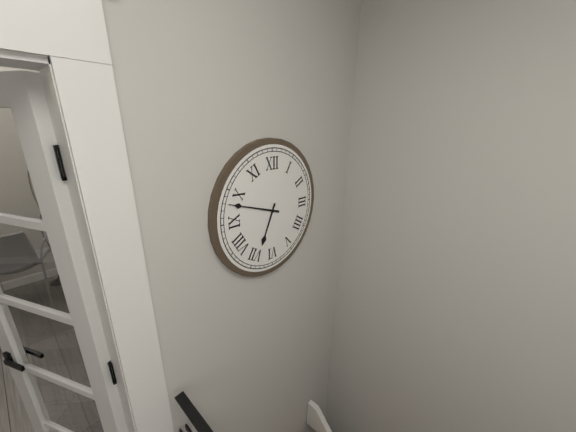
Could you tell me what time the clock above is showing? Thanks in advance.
6:48
